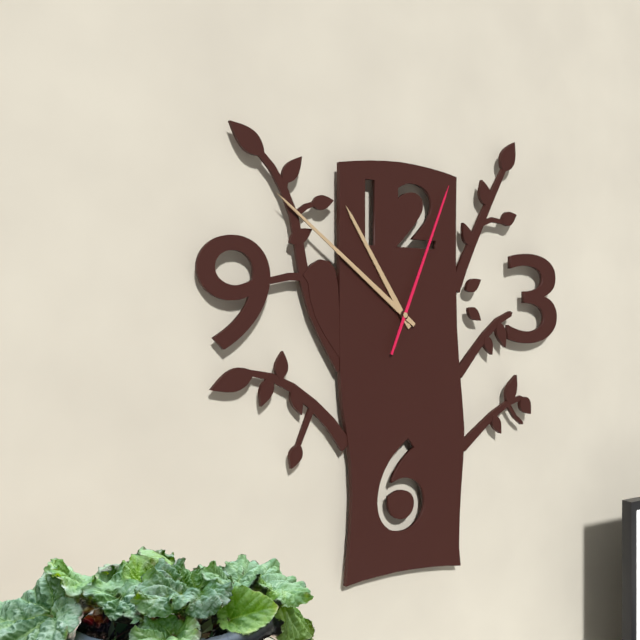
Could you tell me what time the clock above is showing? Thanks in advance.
10:51:04
